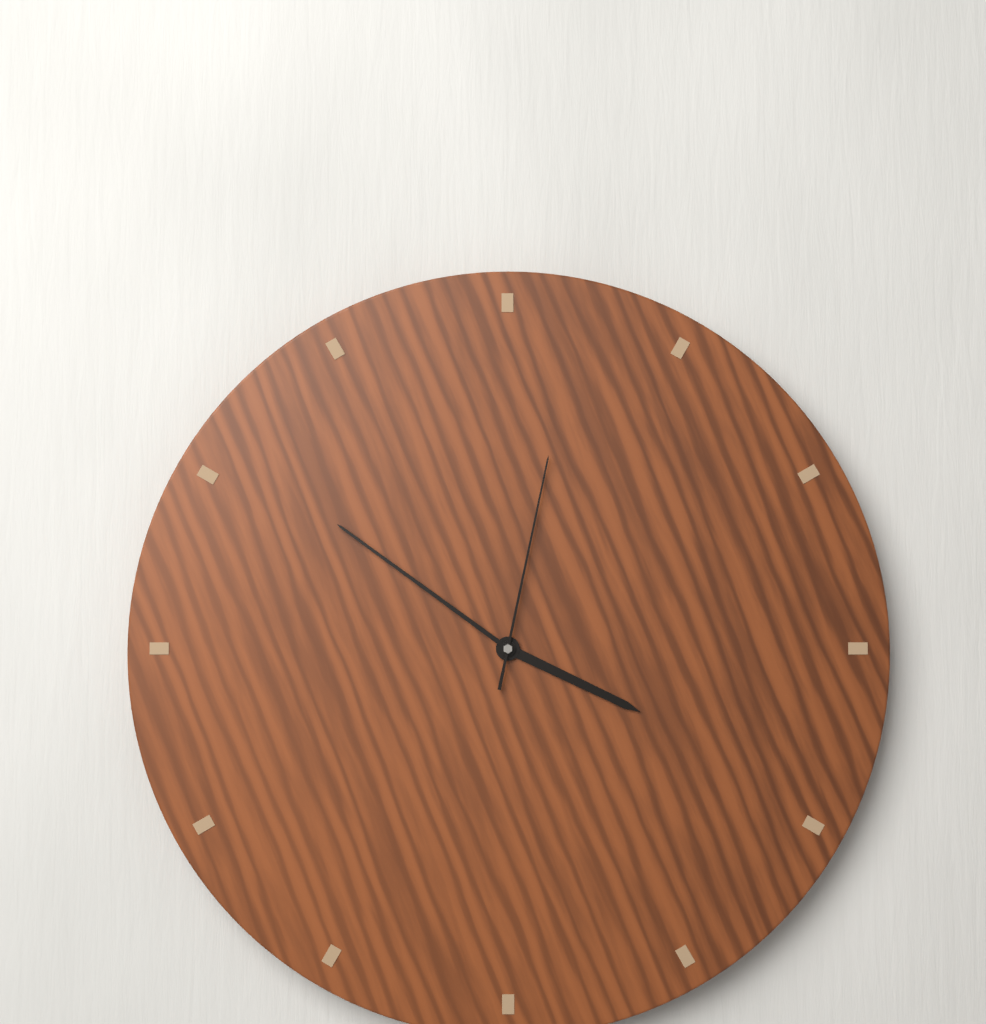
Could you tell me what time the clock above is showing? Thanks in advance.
3:51:02
